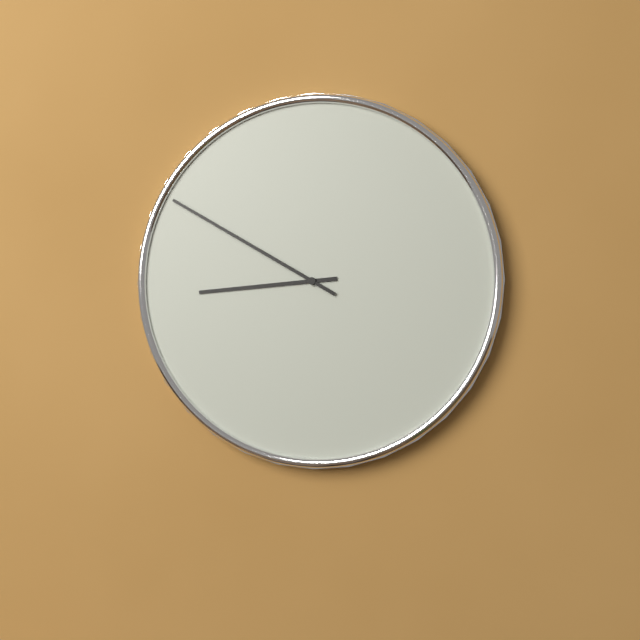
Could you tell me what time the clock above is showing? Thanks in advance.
8:50
